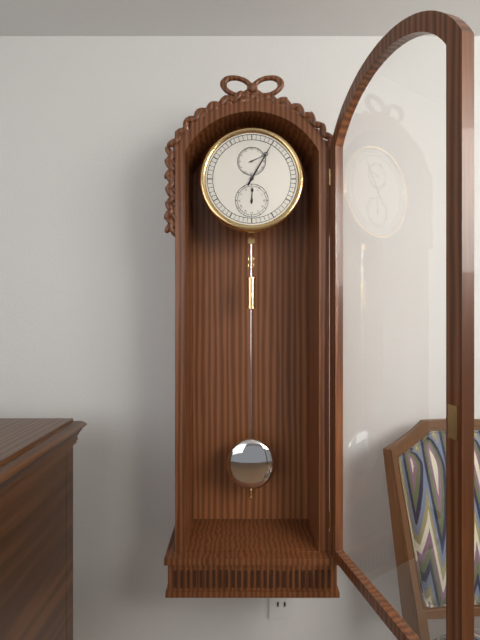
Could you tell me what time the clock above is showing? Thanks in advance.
12:05
